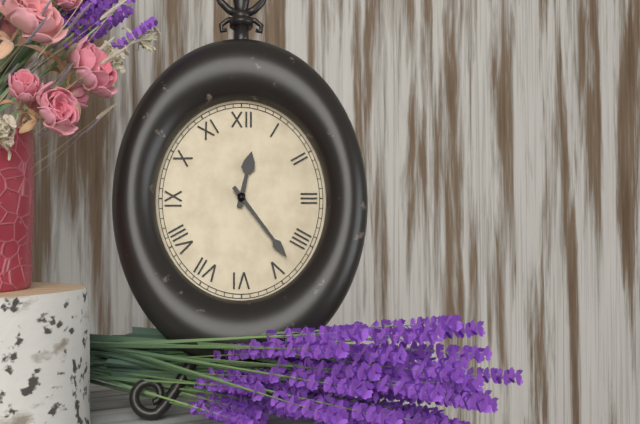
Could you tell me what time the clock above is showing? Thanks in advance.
12:24
